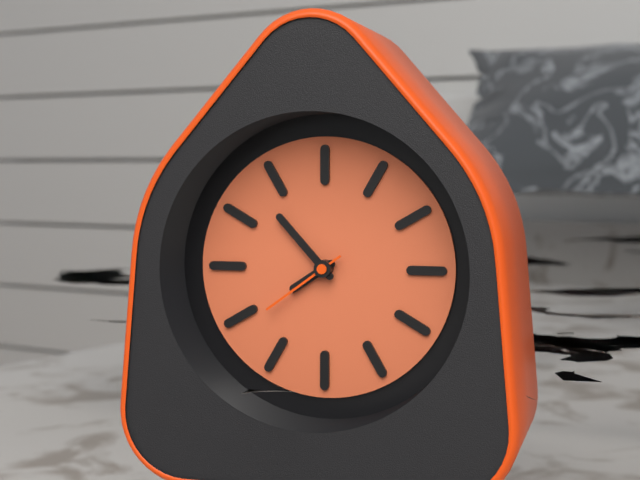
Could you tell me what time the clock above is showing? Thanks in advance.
7:53:39
